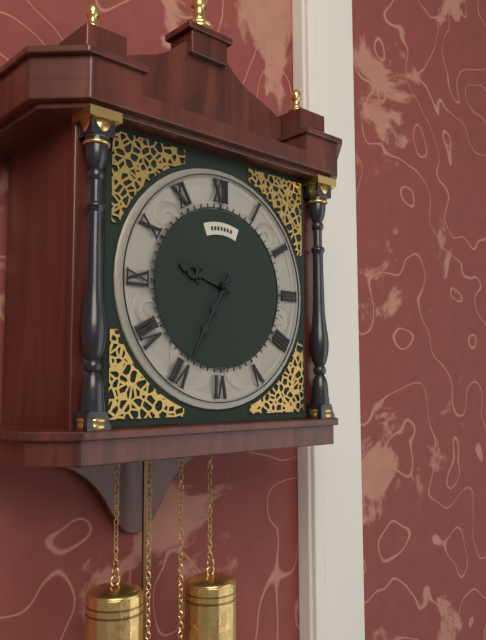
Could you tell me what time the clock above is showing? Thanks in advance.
9:35
